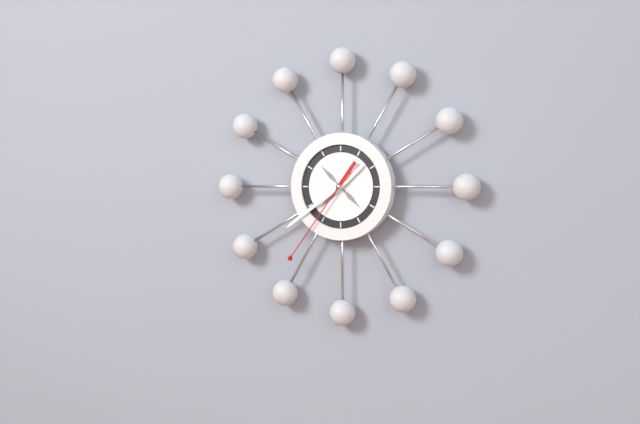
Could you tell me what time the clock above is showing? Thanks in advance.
1:39:36
